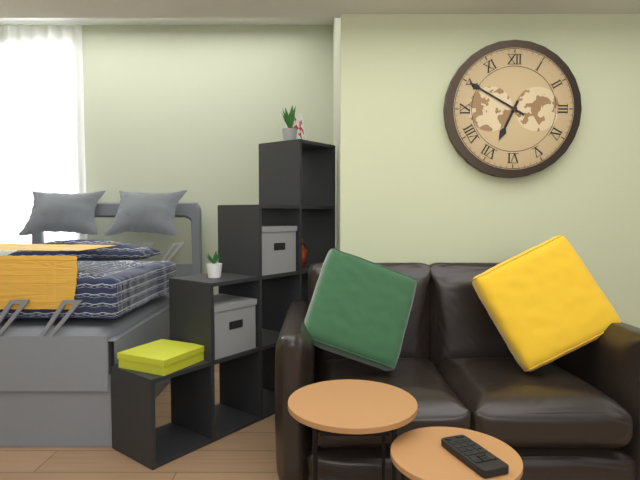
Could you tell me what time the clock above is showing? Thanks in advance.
6:50
